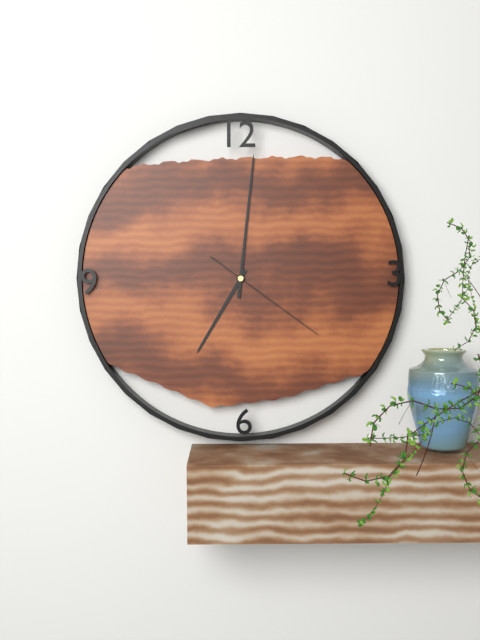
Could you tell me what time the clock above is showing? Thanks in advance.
7:01:21
